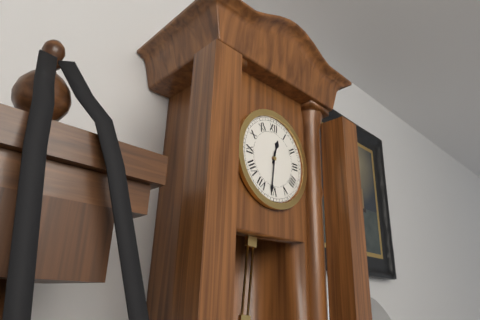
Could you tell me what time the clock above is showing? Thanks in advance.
12:31
